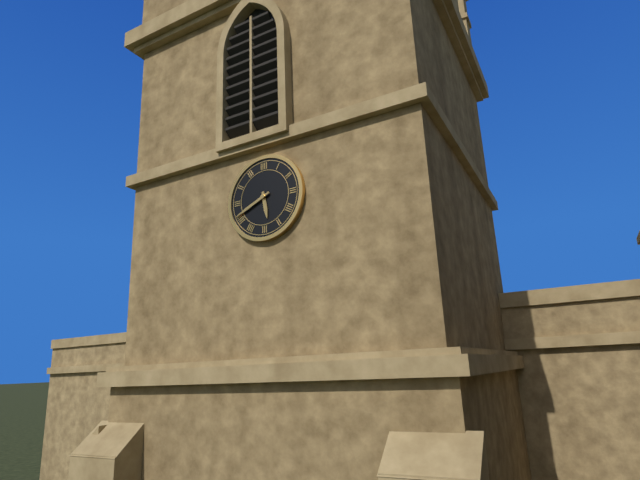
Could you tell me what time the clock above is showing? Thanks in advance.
5:41
